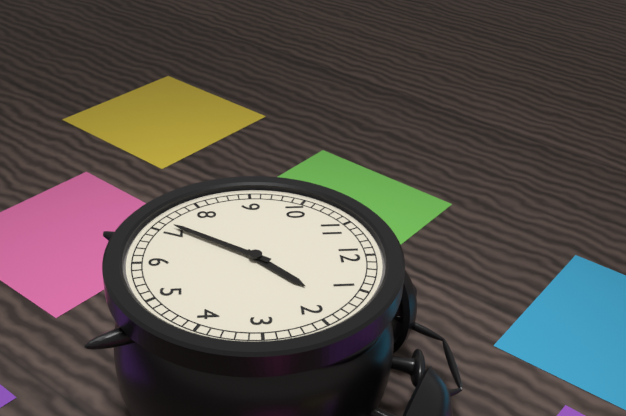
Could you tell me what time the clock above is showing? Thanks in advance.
1:36
